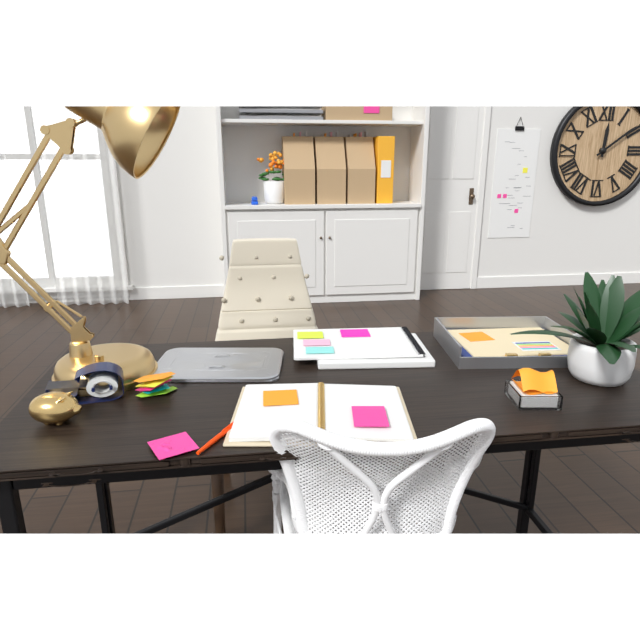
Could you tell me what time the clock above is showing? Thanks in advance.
12:09
